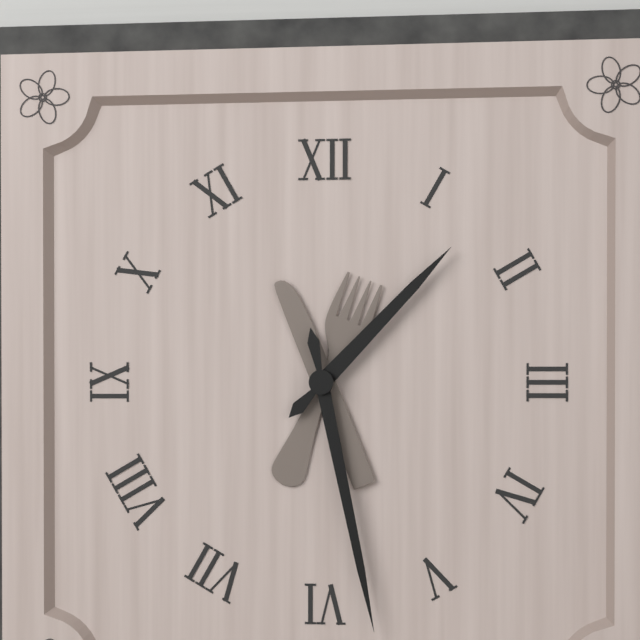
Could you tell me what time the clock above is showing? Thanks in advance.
1:28
